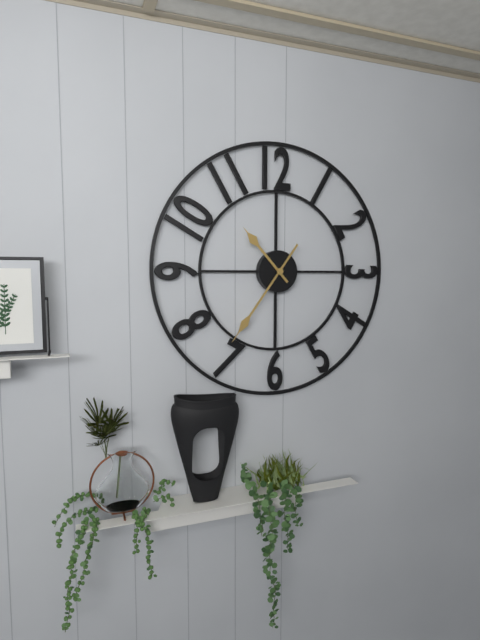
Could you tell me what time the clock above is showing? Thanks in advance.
10:36
